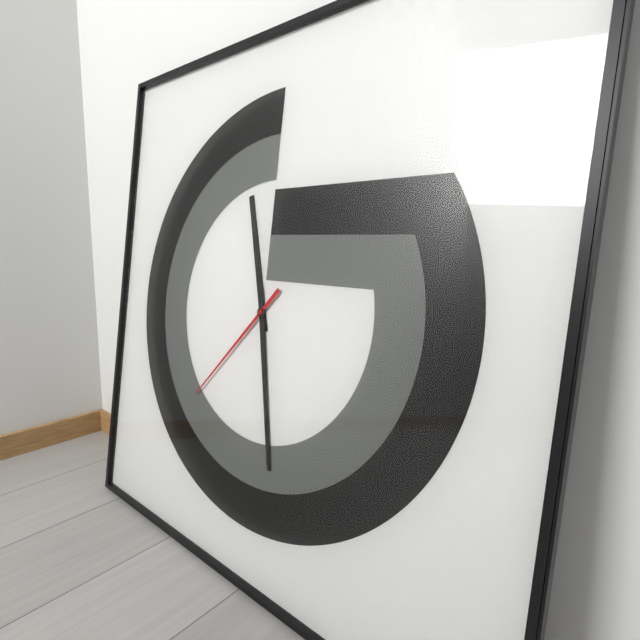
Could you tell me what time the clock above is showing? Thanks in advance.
11:28:37
